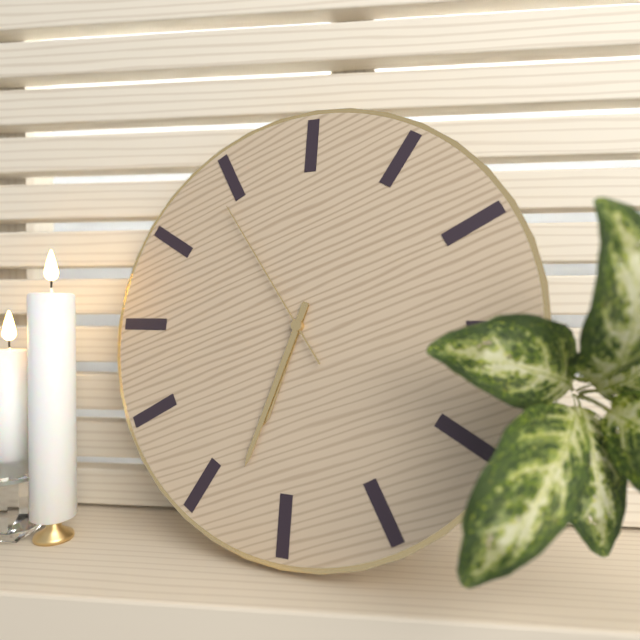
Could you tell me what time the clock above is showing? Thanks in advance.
6:33:54
